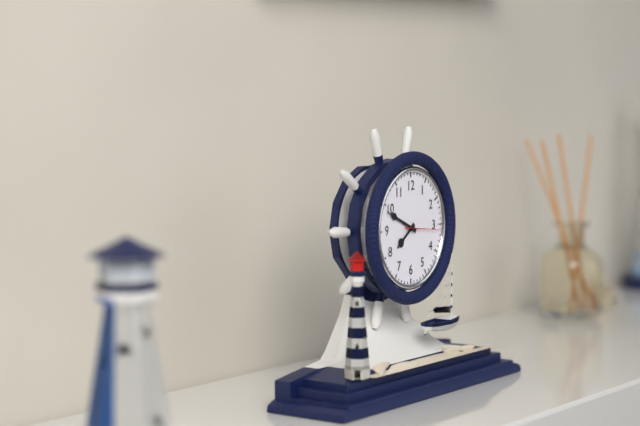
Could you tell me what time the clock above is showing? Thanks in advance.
7:49
